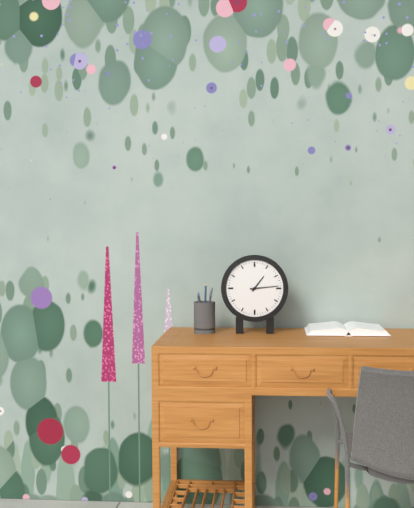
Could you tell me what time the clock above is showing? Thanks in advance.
1:14
